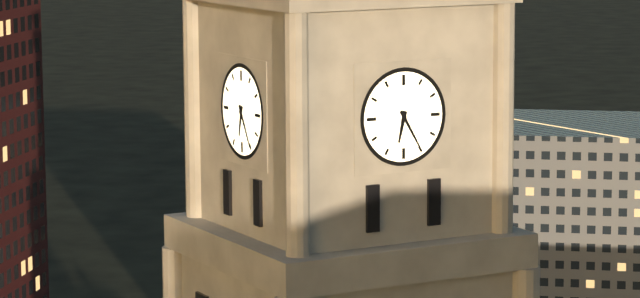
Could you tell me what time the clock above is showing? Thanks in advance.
6:25
